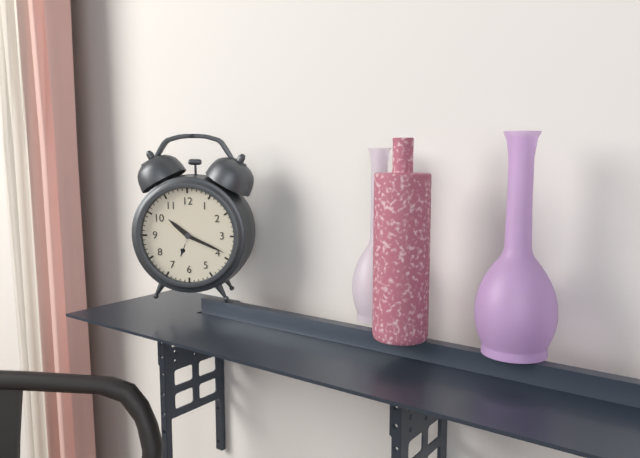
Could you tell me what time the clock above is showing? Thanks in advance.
10:19
